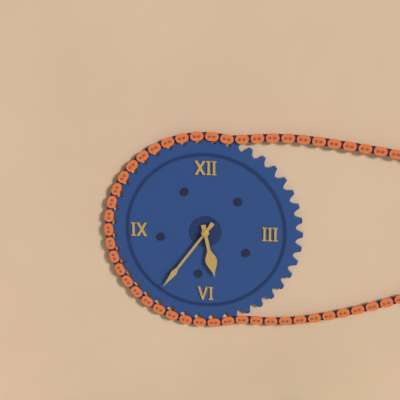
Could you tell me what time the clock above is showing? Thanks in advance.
5:36
